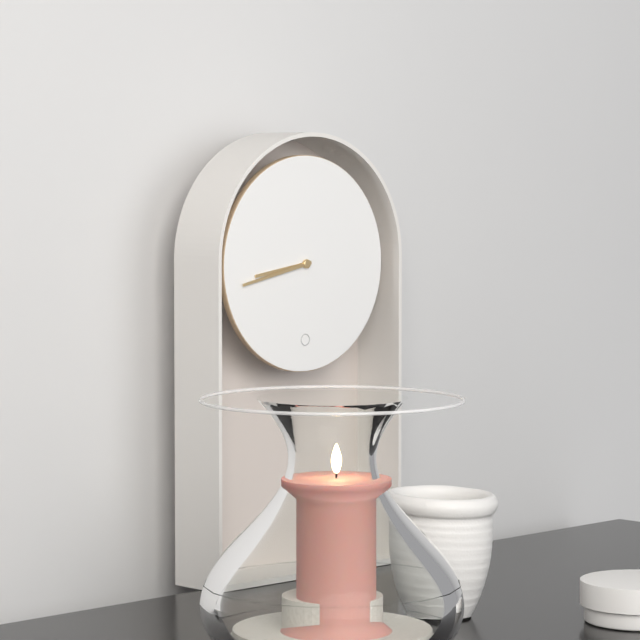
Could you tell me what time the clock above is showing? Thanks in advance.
8:43
